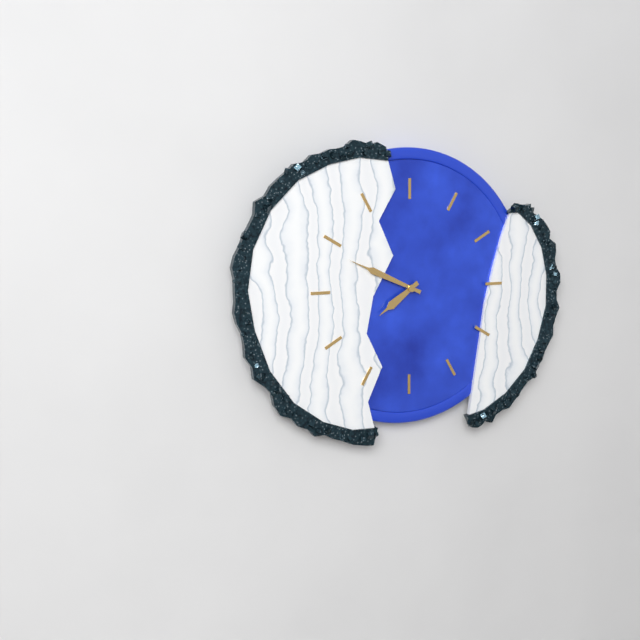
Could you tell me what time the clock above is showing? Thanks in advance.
7:49
